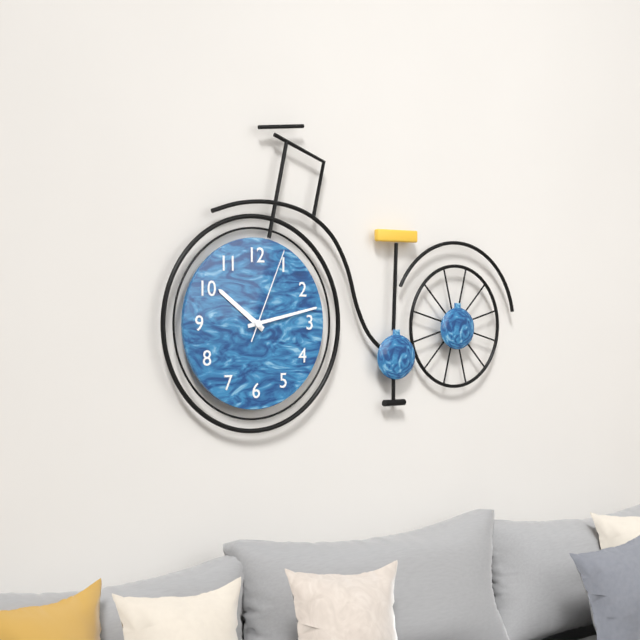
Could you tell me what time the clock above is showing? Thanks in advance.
10:13:04
